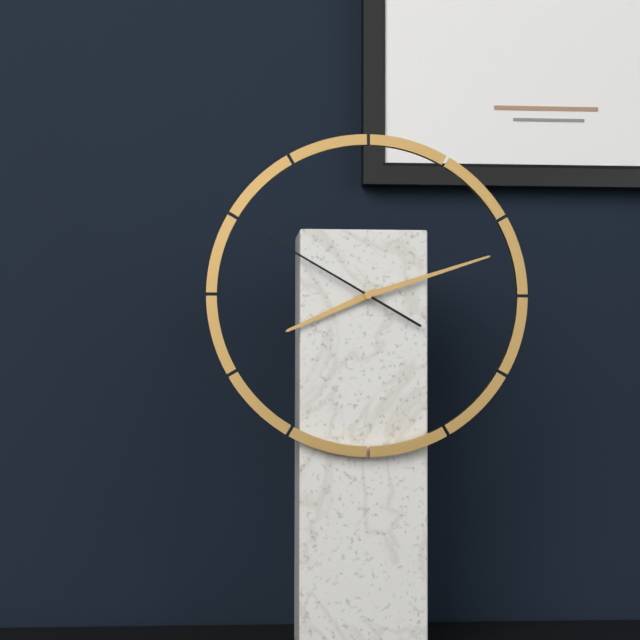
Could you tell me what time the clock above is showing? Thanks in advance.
8:12:50
